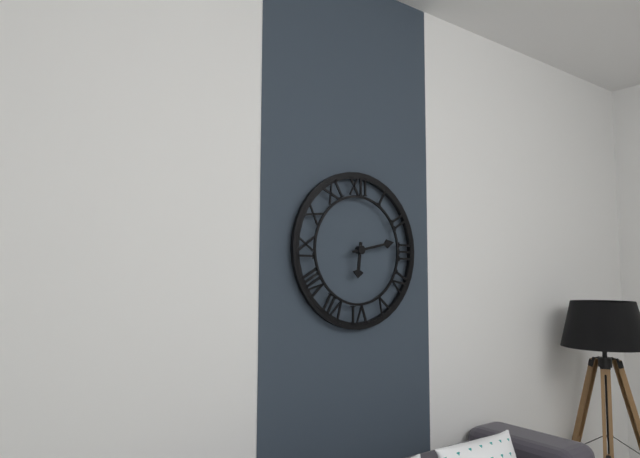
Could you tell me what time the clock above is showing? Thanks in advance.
6:13
